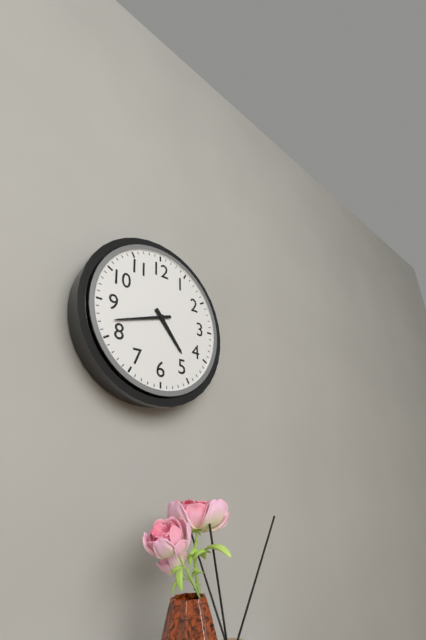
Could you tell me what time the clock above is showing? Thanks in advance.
4:42
